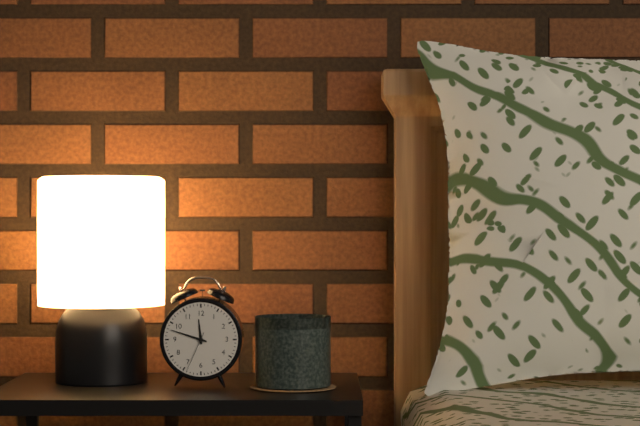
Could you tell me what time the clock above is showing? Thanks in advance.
11:48
